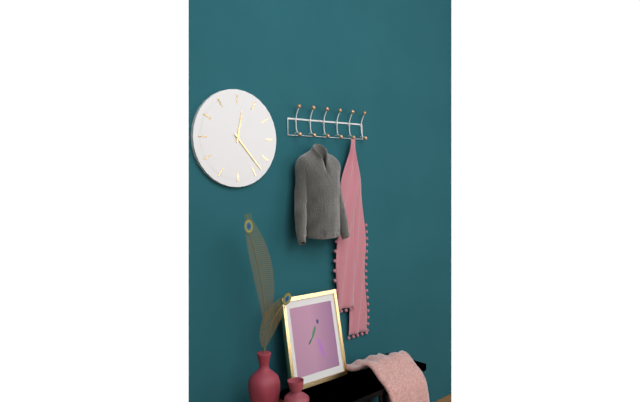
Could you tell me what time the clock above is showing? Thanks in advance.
12:23
